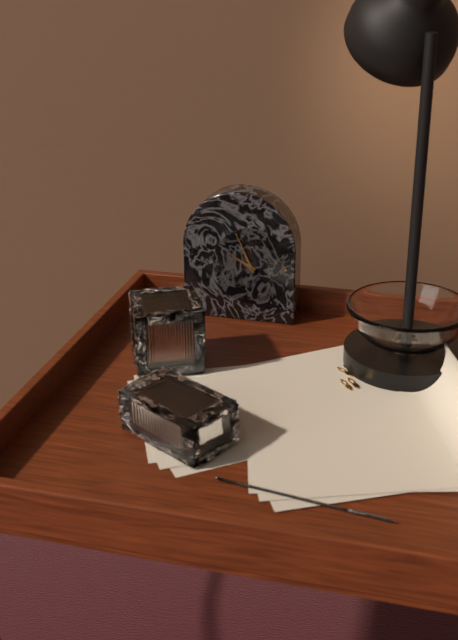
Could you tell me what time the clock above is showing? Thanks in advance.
9:56
